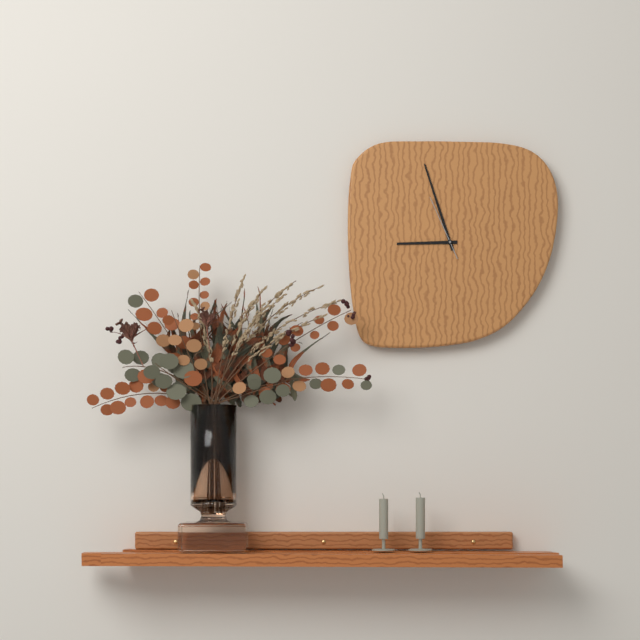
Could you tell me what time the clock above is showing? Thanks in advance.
8:57:56
